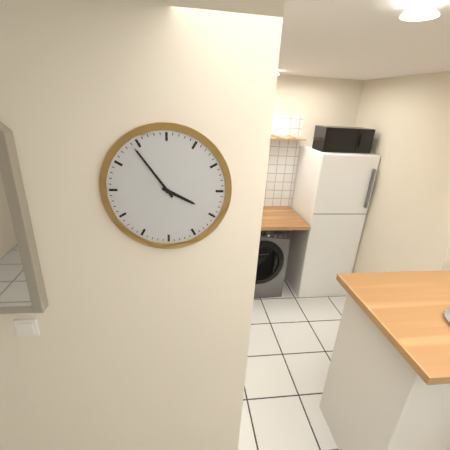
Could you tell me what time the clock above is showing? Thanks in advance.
3:54
